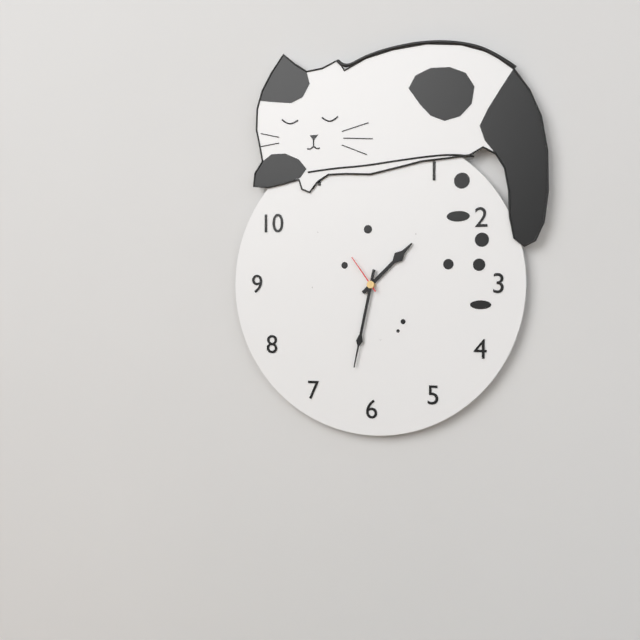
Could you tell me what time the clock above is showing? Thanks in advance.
1:32
